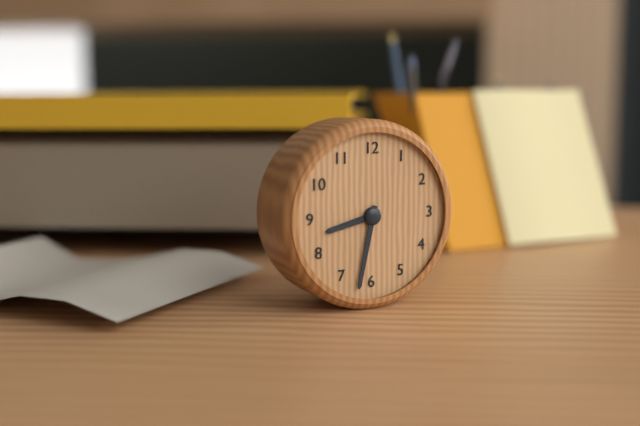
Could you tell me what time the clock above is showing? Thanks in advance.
8:32
